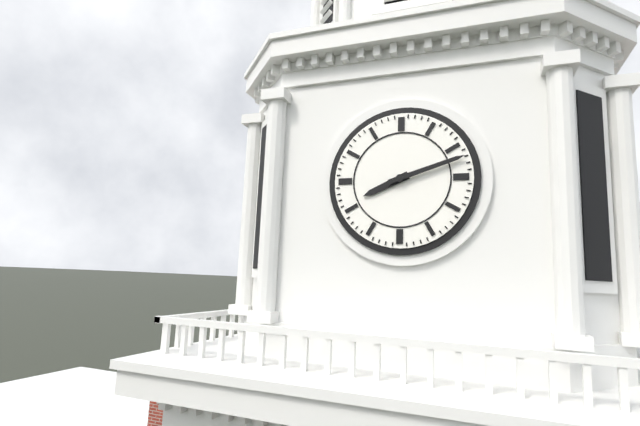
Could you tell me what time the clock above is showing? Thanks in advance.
8:12
